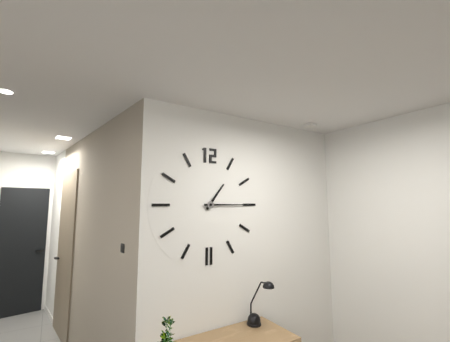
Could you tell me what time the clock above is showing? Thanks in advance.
1:15
